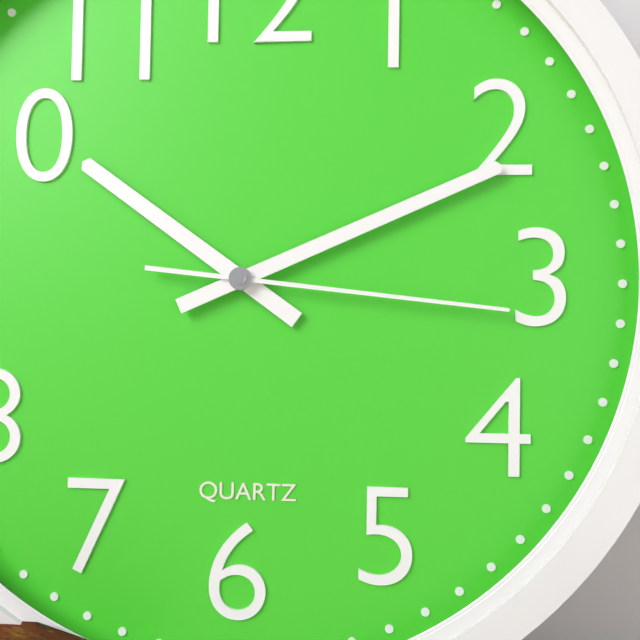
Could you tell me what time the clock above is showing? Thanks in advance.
10:11:16
